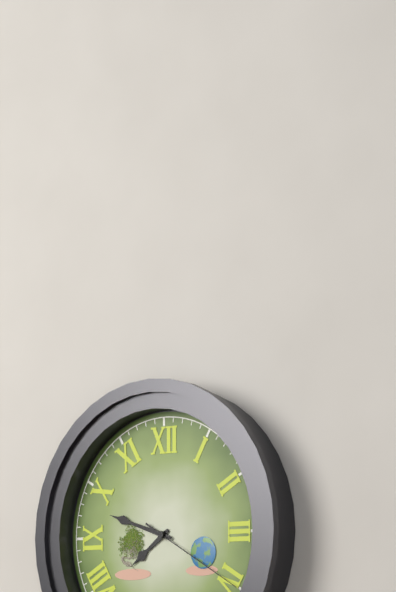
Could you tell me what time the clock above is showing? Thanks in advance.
7:48:20
